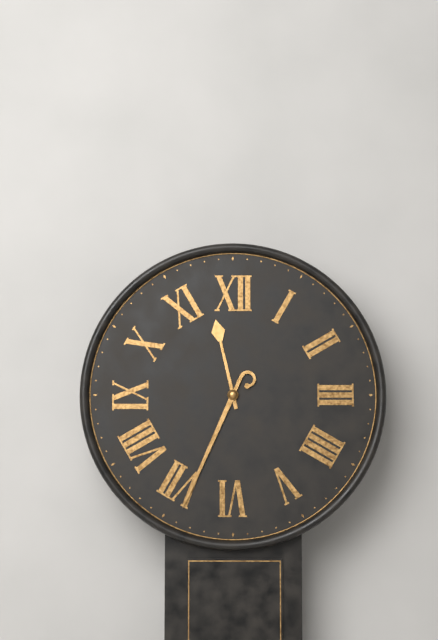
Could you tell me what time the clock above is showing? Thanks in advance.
11:34
